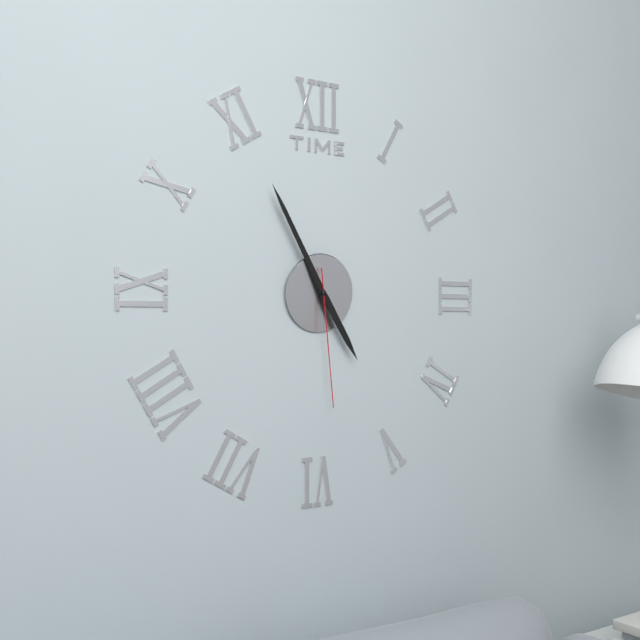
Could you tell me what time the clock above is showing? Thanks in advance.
4:55:29
